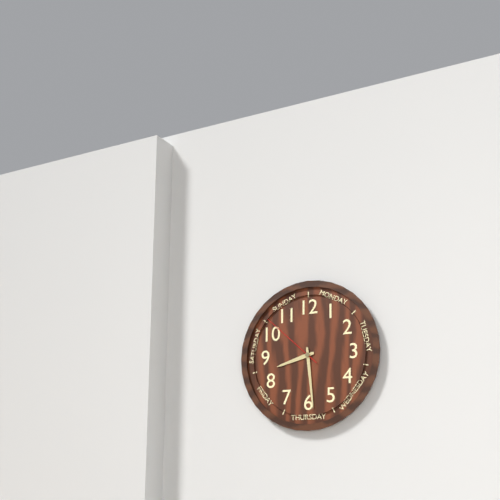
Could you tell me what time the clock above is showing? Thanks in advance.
8:29:52
